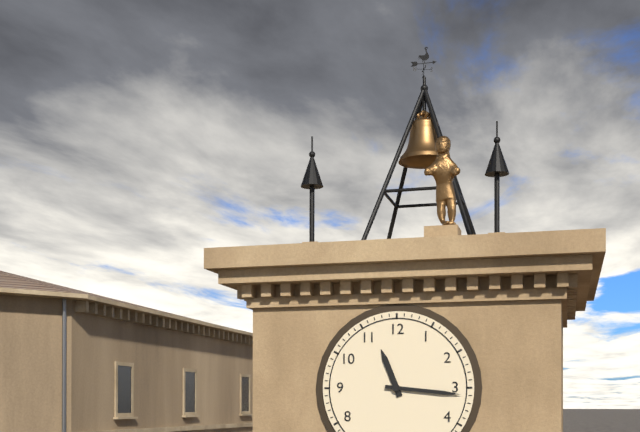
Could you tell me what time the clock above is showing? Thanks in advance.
11:16
